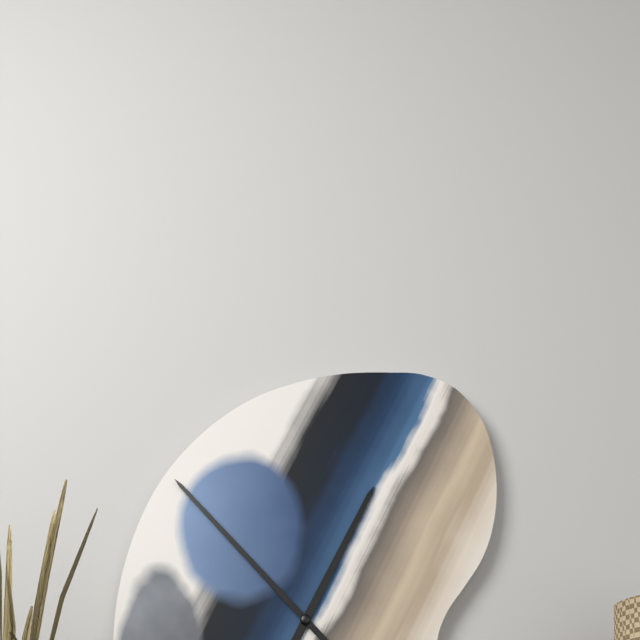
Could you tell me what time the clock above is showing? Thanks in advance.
12:53
